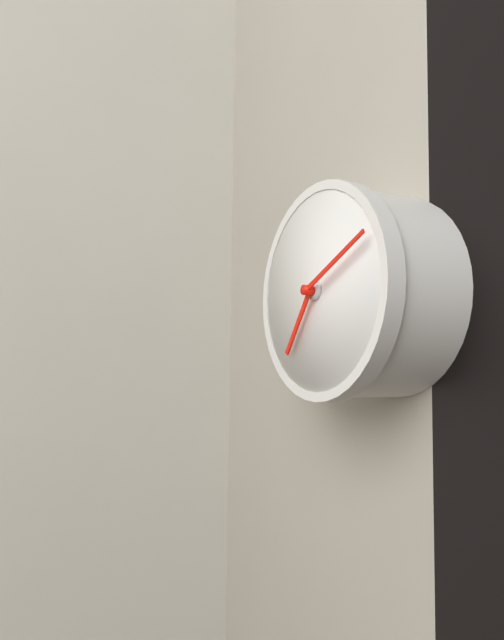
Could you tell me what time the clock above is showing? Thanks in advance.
7:11
